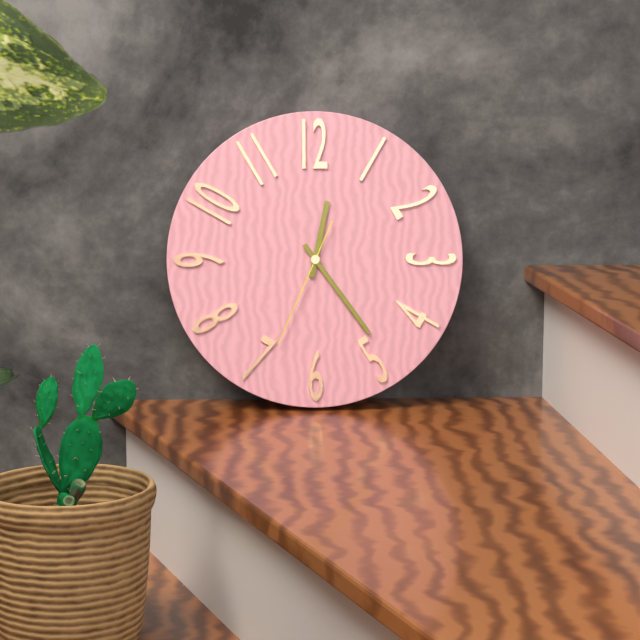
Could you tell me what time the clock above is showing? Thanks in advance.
12:24:34
